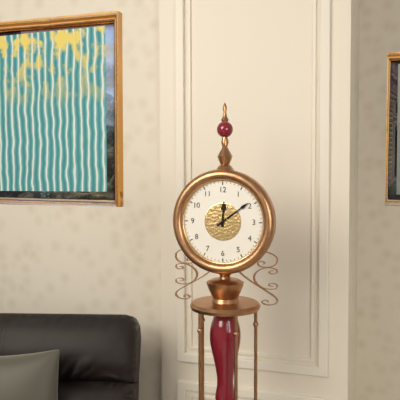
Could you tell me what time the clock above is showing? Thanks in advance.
12:09
